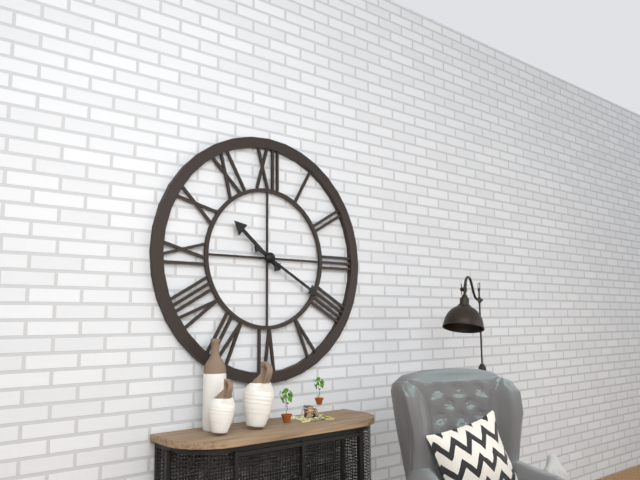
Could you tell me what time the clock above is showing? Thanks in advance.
10:20
